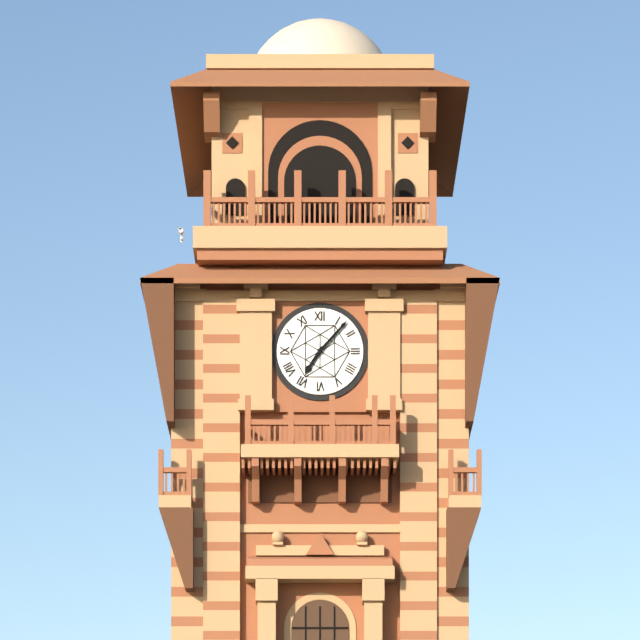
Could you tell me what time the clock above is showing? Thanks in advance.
7:07
